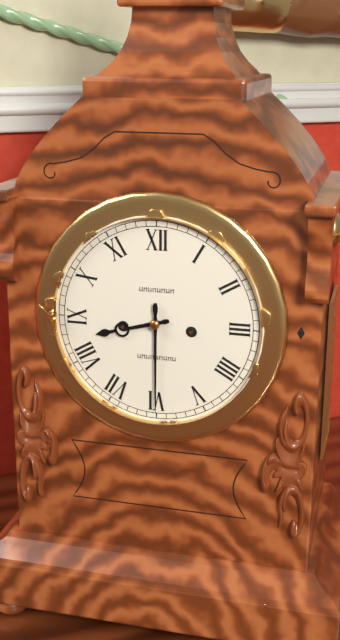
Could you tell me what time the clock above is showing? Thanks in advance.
8:30
